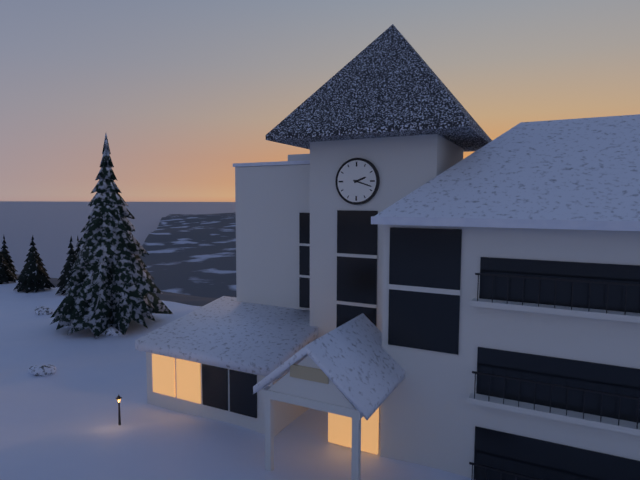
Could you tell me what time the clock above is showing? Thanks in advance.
2:18
